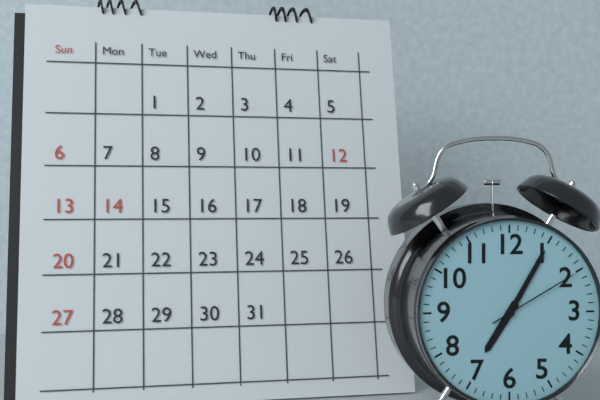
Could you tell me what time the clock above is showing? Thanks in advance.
7:05:10
